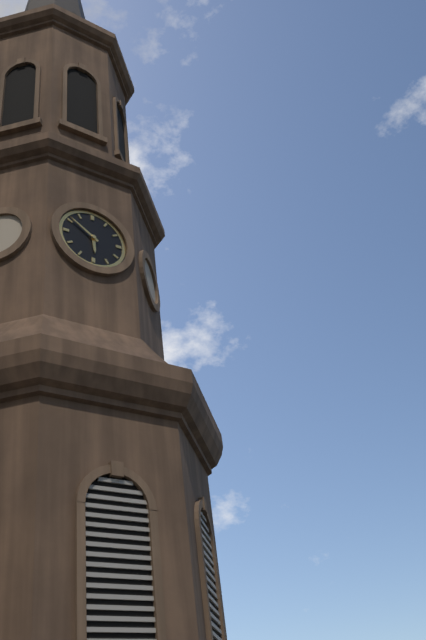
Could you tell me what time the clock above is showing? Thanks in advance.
5:51
